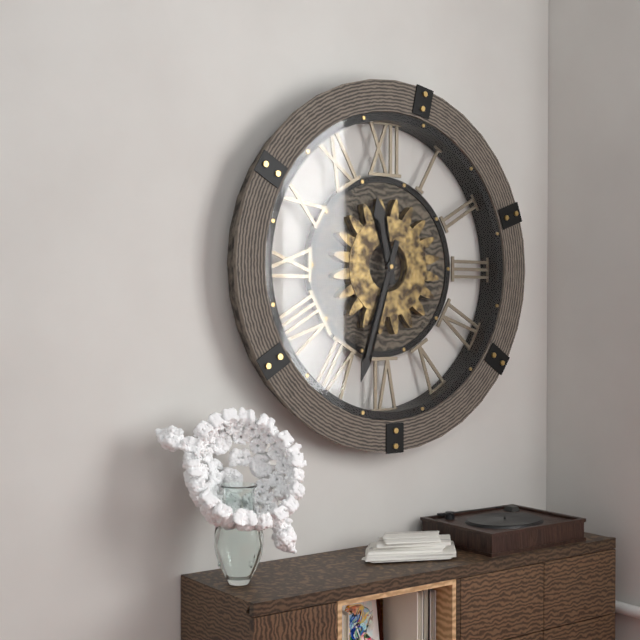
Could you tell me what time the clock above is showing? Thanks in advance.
11:33
